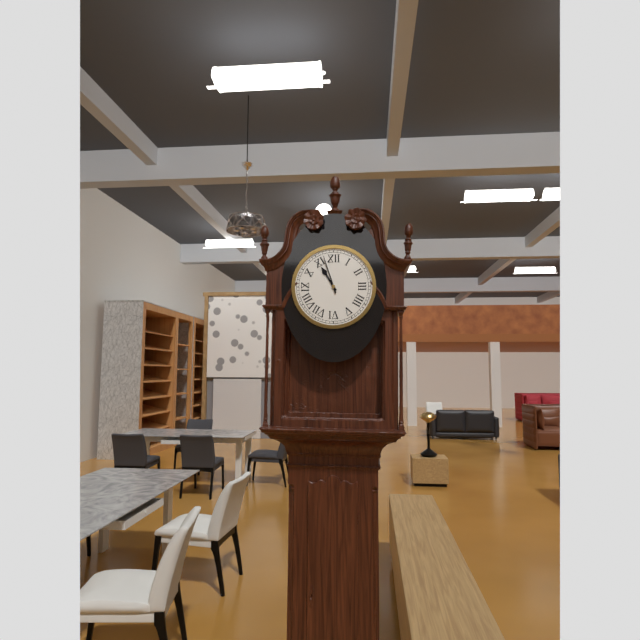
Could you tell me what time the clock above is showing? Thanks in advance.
10:57
